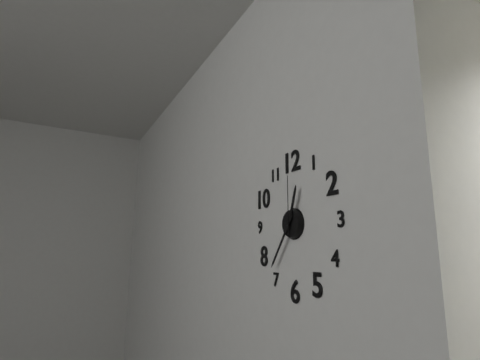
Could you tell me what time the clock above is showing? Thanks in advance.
12:36:00
